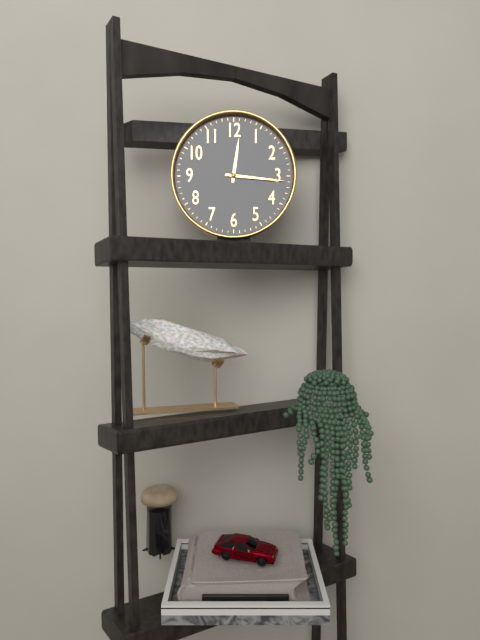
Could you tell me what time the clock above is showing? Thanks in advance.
12:16
